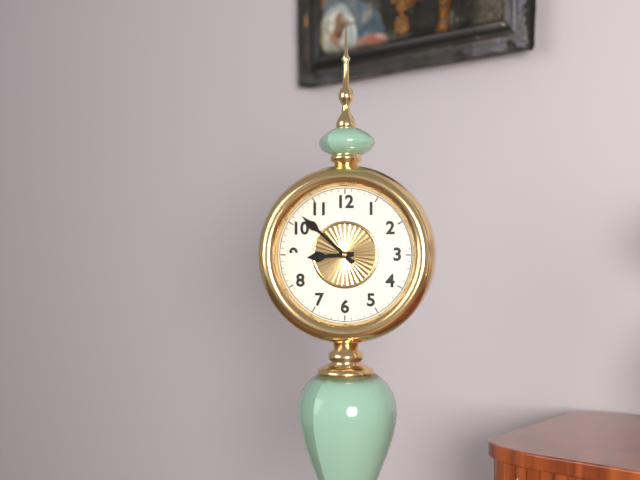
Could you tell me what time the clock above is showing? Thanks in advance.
8:52
